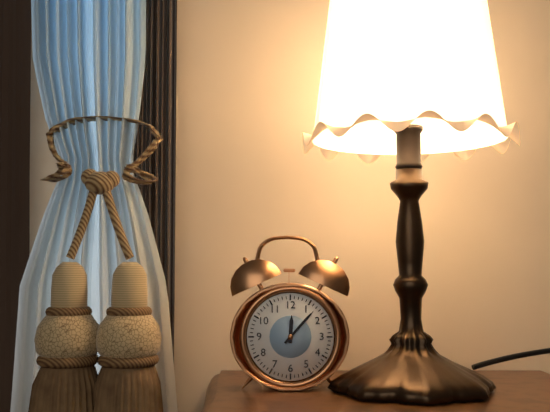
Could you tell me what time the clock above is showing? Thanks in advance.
12:07
